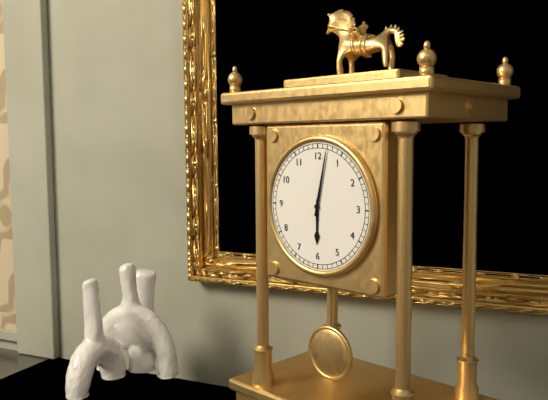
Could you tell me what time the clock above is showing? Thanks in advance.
6:02
